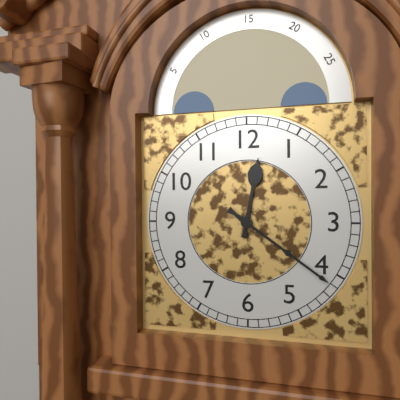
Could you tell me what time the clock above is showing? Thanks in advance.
12:21
